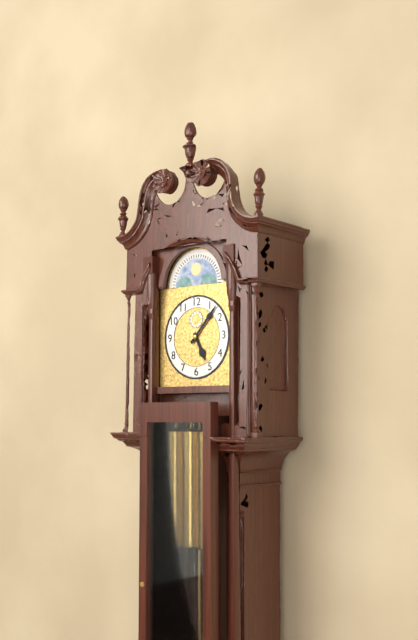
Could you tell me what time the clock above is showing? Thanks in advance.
5:07
